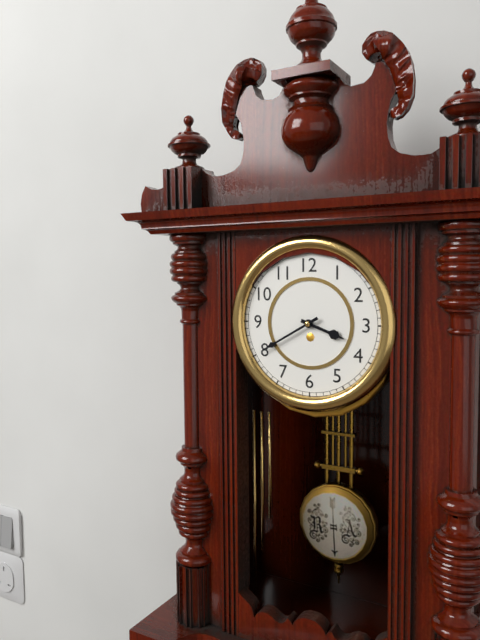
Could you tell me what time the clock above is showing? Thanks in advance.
3:40
